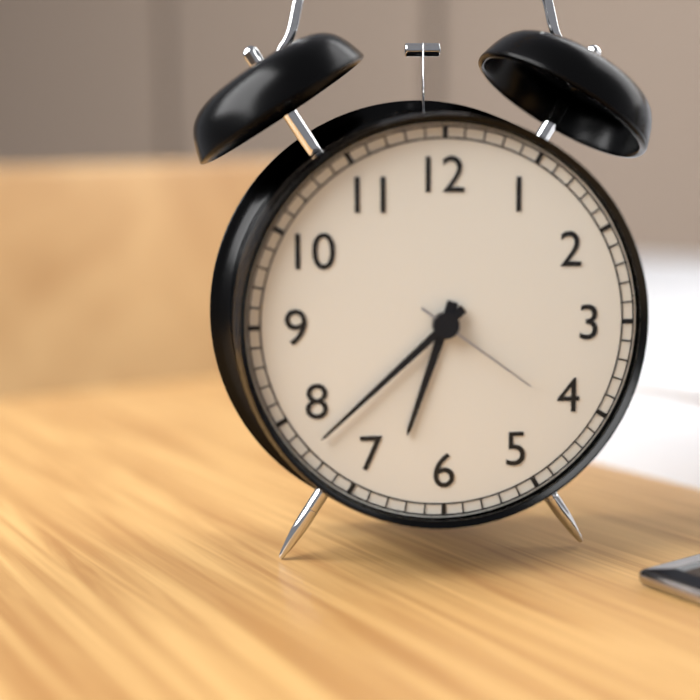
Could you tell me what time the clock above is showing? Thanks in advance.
6:38:21
